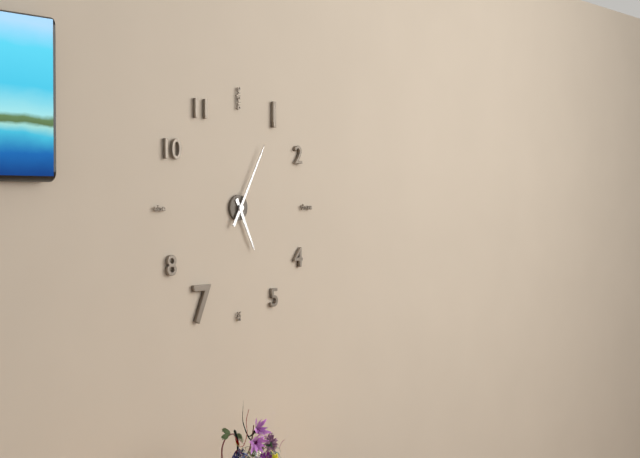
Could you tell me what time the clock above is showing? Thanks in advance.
5:05
